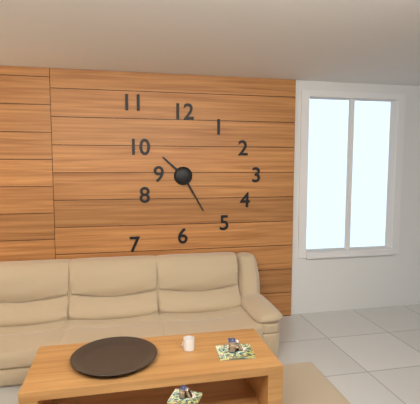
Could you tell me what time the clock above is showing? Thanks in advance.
10:25
